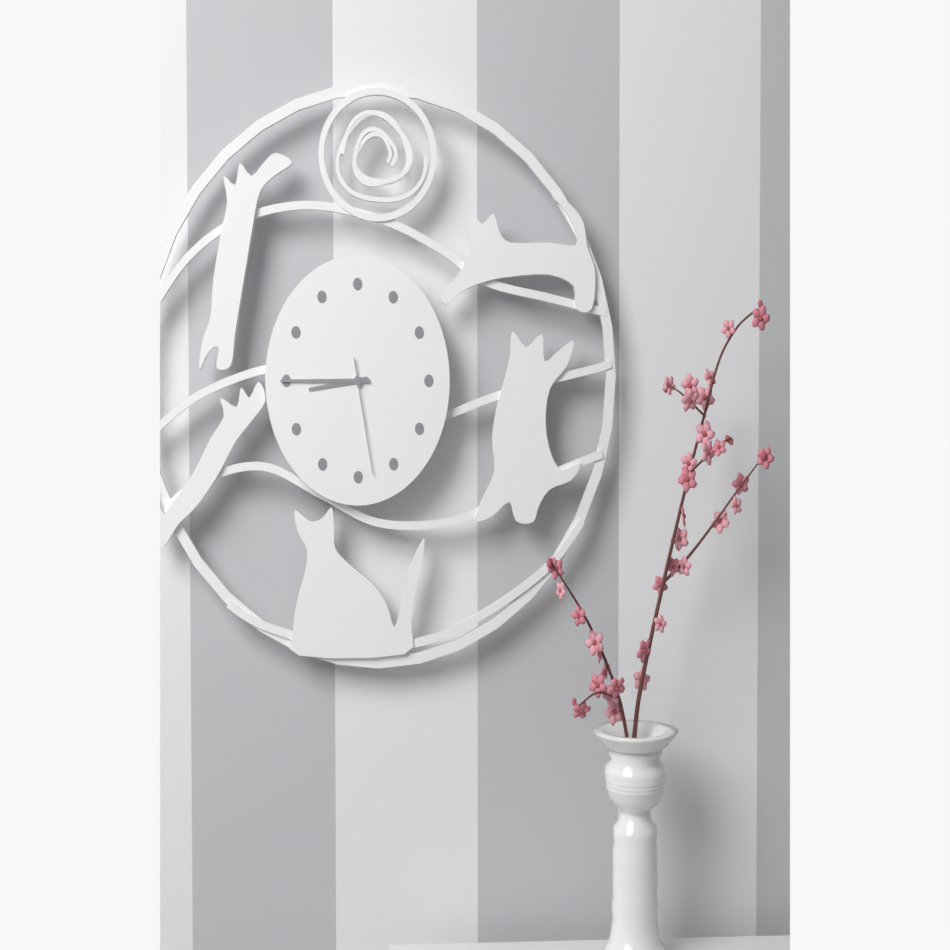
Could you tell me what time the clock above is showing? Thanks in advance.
8:45:28
